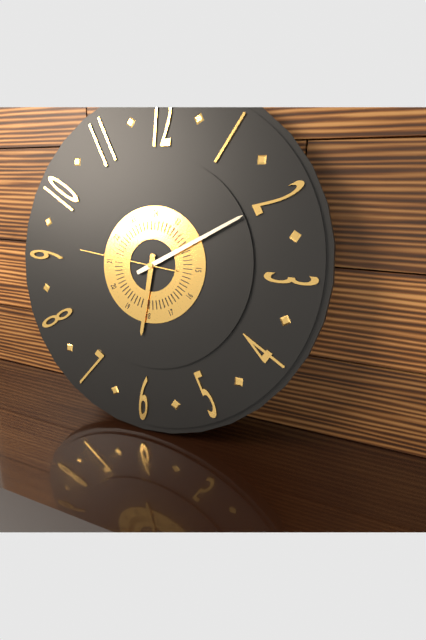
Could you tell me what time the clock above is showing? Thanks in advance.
6:10:46
